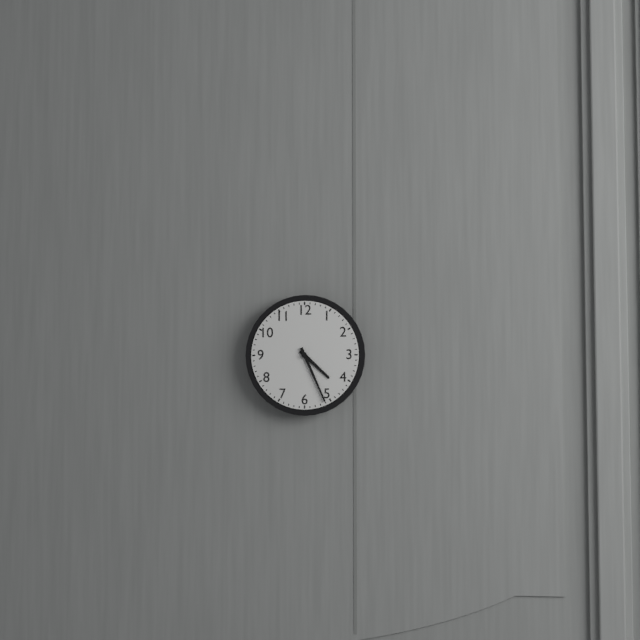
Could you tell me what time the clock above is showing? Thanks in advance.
4:26
